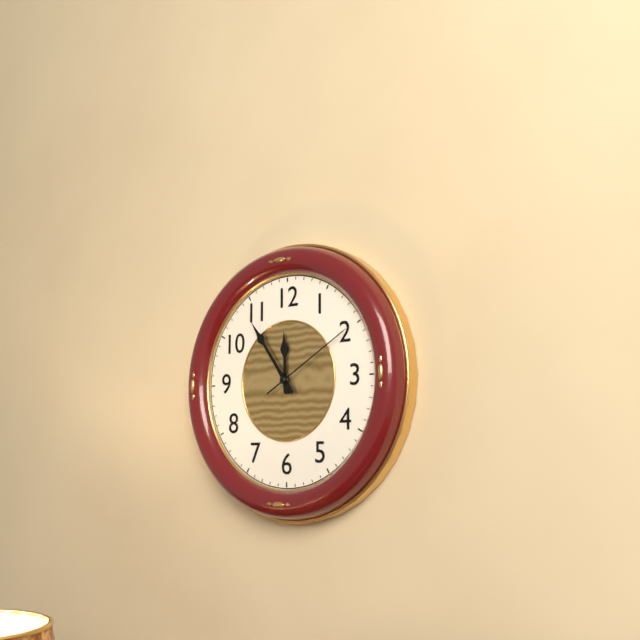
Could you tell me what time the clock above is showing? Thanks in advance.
11:54:10
